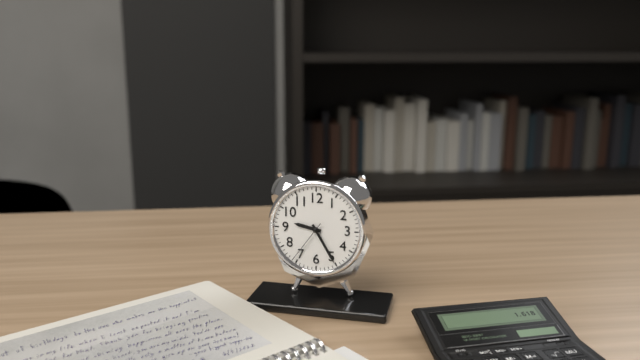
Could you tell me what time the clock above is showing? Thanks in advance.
9:25
